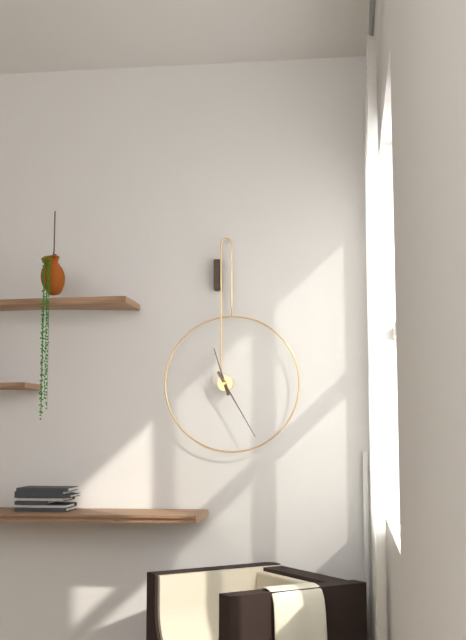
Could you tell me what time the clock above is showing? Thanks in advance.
11:25
